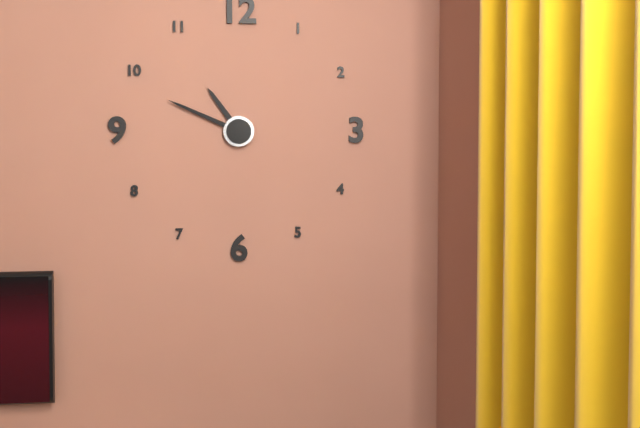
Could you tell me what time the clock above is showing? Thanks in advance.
10:49
